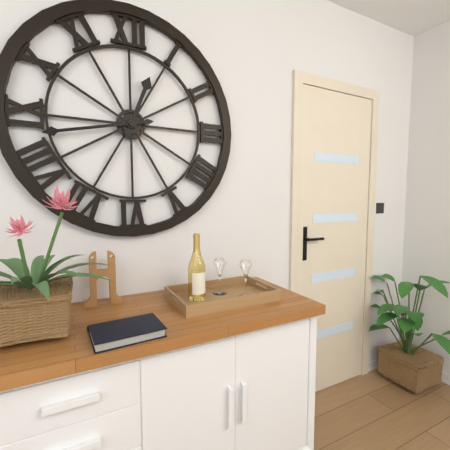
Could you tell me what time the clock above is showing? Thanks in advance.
12:43
